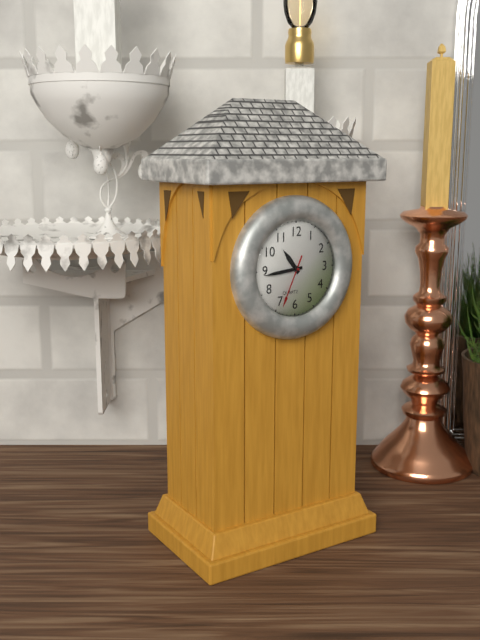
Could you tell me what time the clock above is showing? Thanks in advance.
10:44:34
